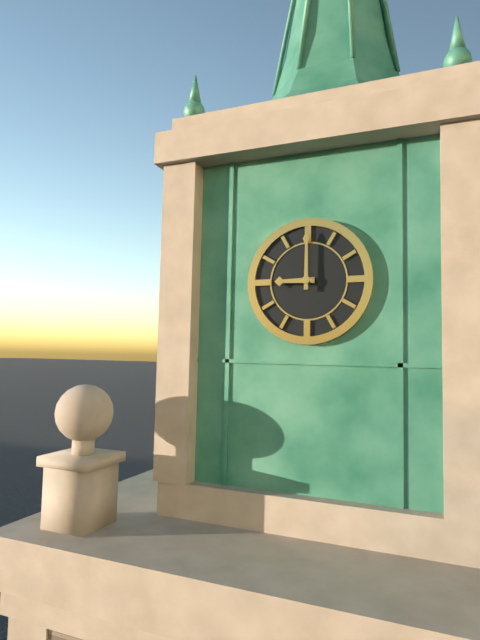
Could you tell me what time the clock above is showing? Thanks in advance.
9:00
